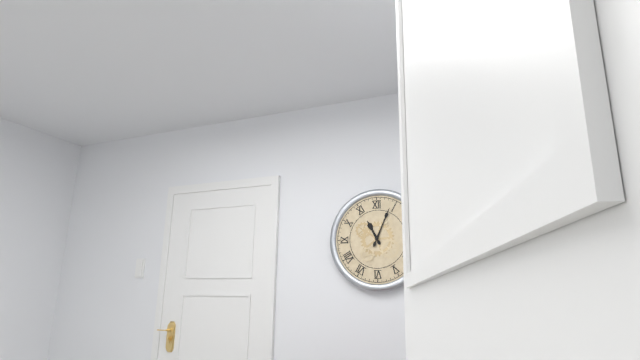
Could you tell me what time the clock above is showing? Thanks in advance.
11:04
